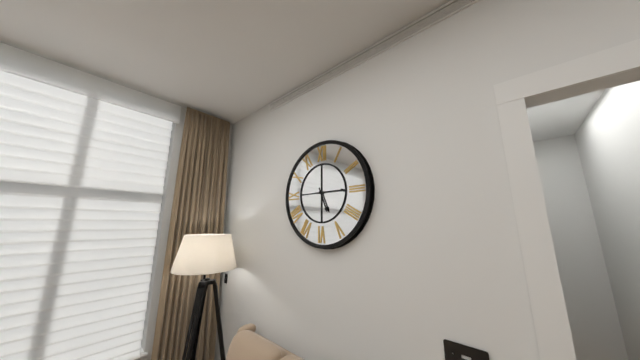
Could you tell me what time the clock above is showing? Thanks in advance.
5:15
